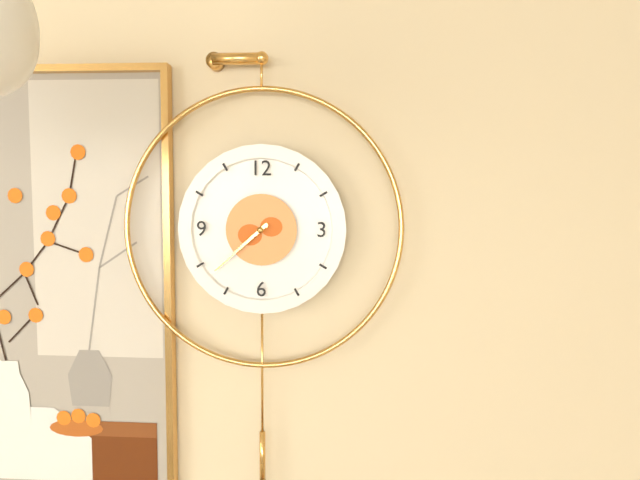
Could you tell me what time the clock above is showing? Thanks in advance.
7:38
